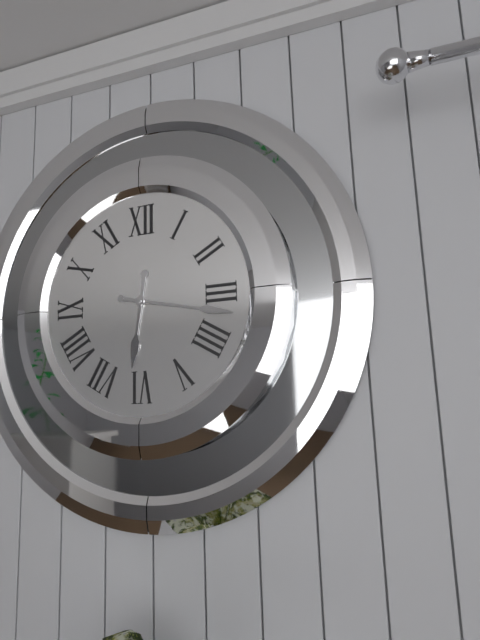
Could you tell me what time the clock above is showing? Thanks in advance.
6:17
